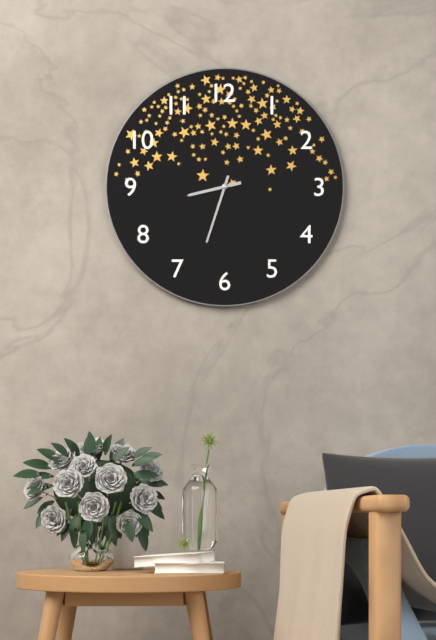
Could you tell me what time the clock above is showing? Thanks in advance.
8:33
